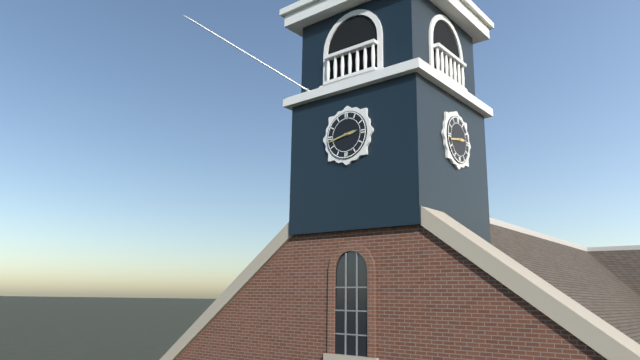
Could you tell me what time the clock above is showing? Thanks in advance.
2:43
